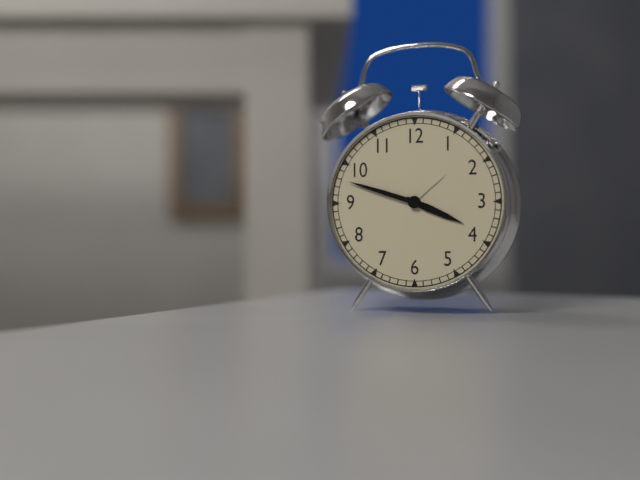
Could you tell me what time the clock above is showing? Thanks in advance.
3:48
